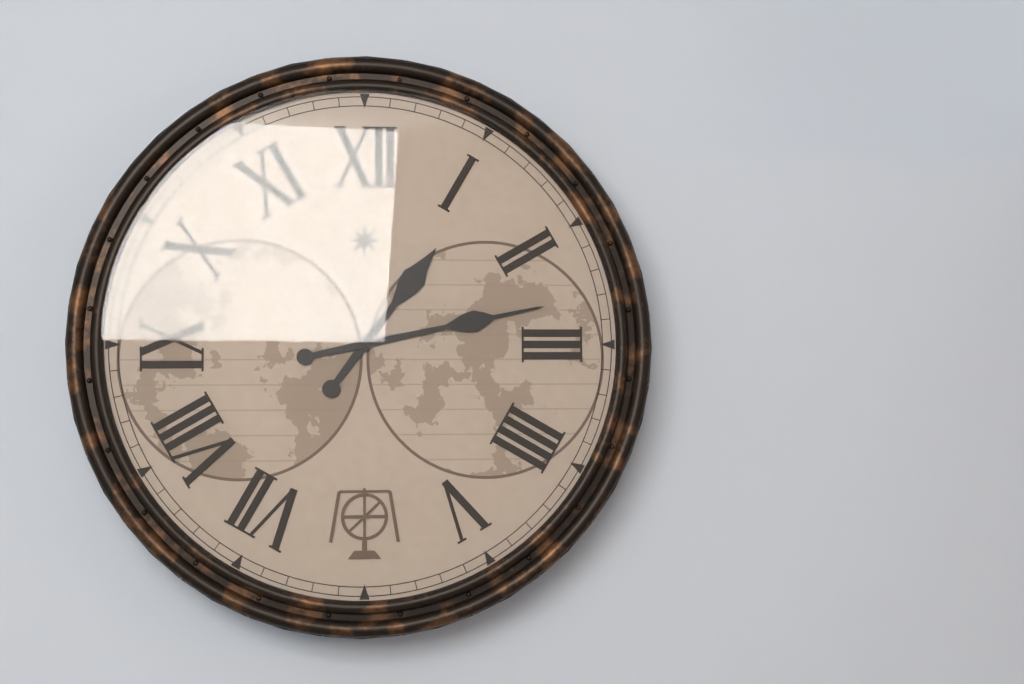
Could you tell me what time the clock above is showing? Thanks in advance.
1:13
